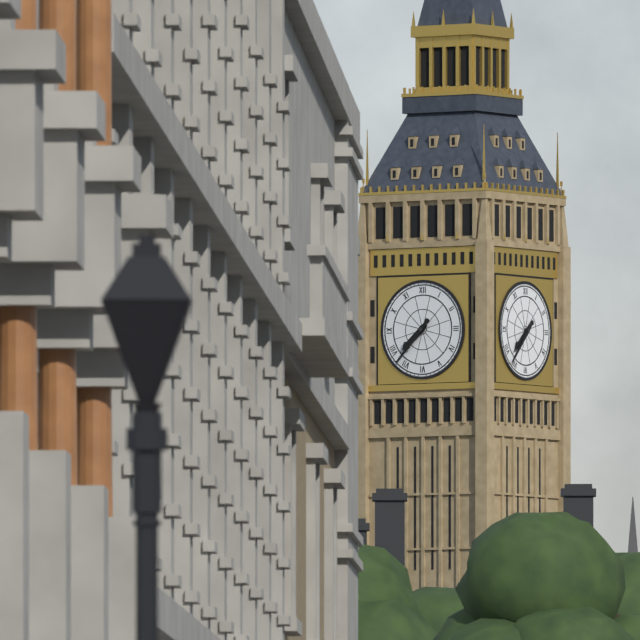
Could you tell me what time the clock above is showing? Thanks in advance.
7:37
